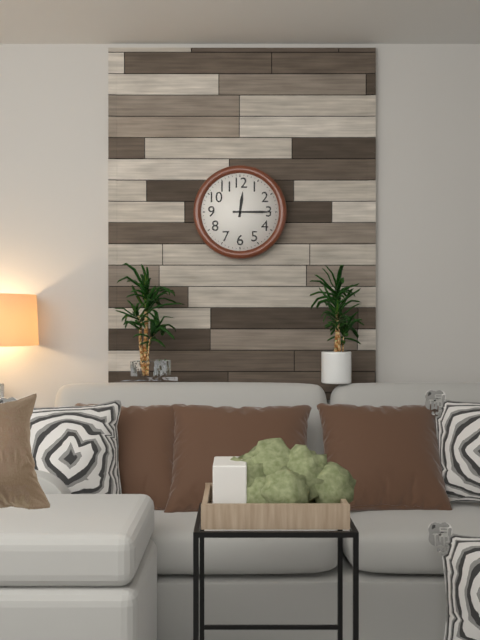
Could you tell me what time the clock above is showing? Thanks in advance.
12:15
